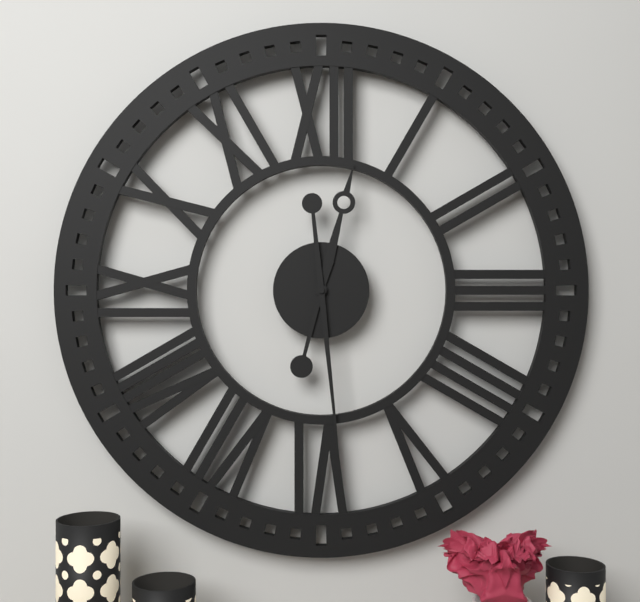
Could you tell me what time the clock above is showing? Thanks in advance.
12:29
